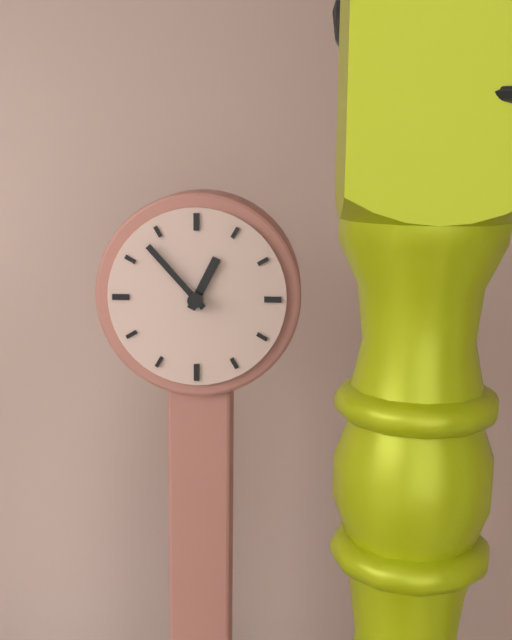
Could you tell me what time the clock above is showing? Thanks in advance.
12:53
